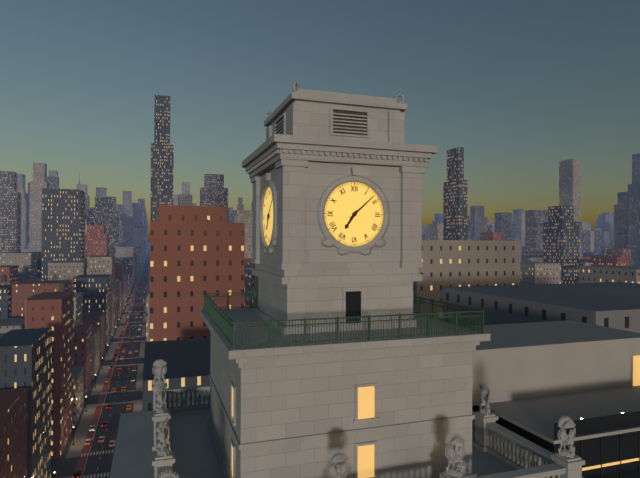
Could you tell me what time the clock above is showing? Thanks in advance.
7:08
